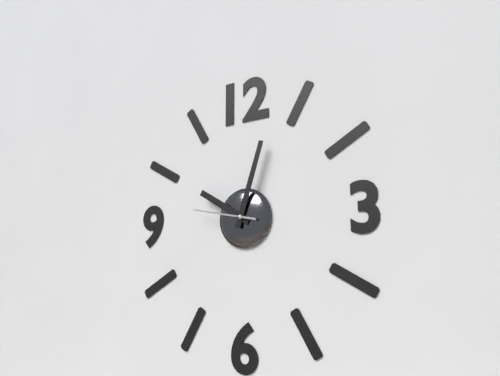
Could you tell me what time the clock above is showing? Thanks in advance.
10:03:47
